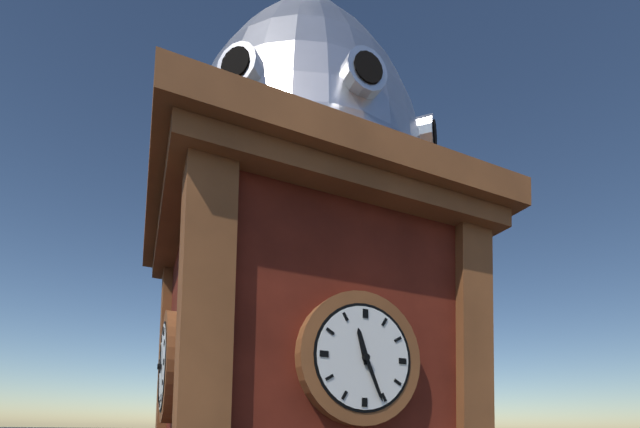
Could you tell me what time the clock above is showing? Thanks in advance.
11:26
